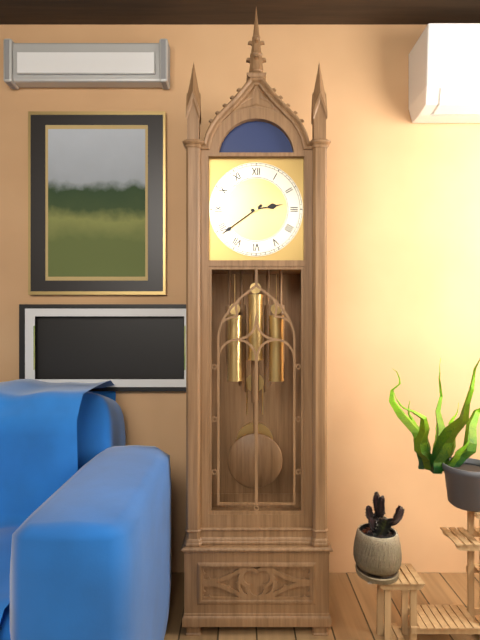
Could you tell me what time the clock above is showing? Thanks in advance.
2:39
